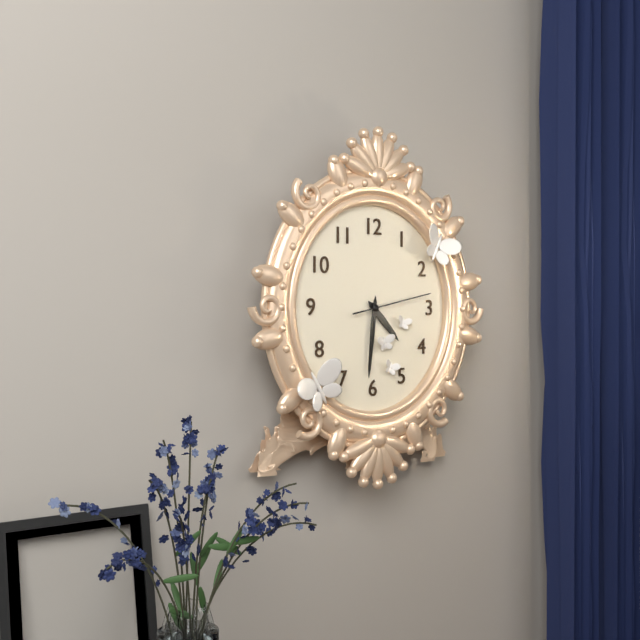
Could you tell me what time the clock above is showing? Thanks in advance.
4:31:13
